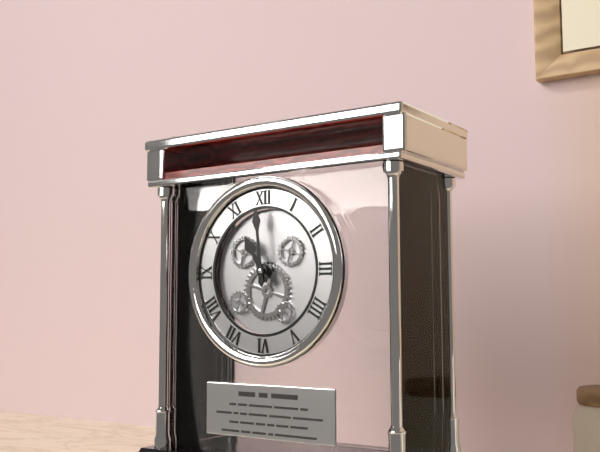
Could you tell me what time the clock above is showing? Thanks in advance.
10:59
